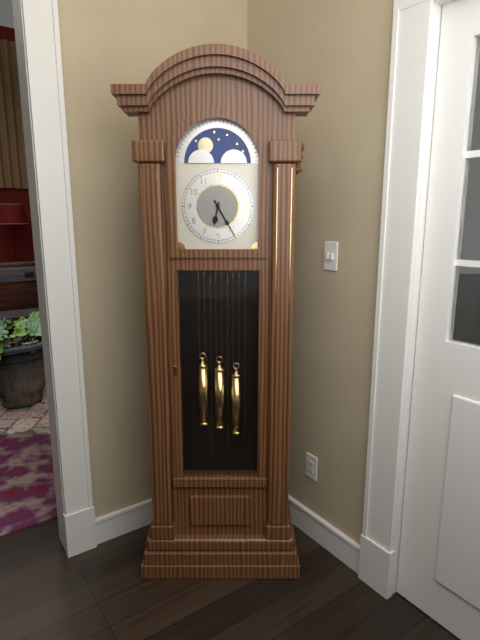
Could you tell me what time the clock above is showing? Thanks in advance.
6:25
